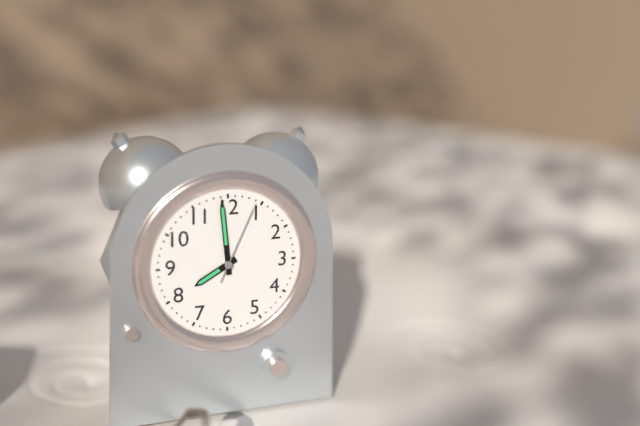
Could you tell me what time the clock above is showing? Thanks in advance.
7:59:04
